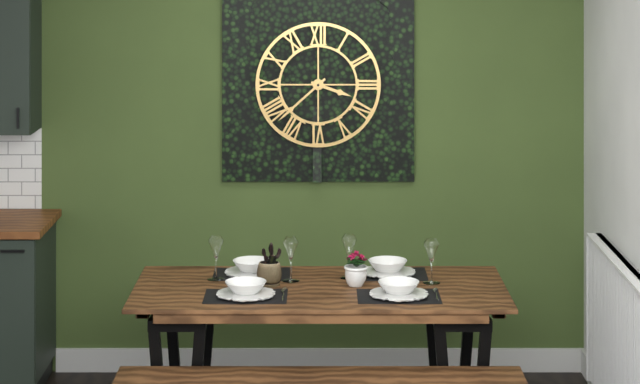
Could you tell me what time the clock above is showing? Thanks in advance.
3:38
